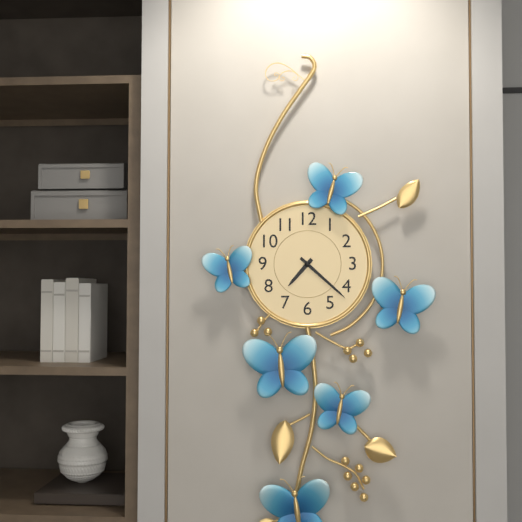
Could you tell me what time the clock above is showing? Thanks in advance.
7:22
